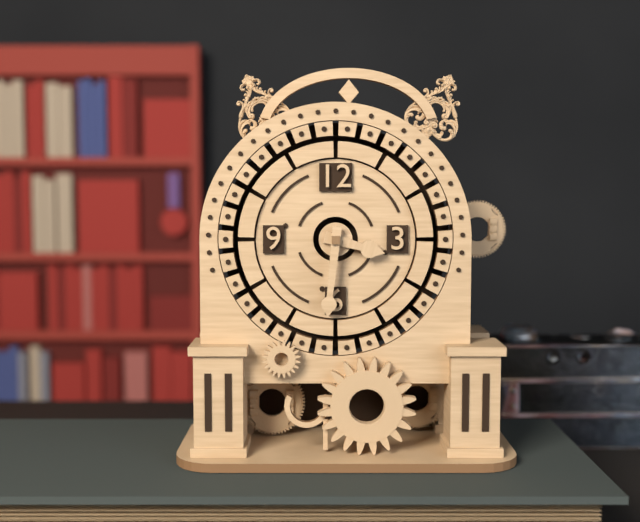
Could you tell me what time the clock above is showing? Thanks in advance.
3:31
